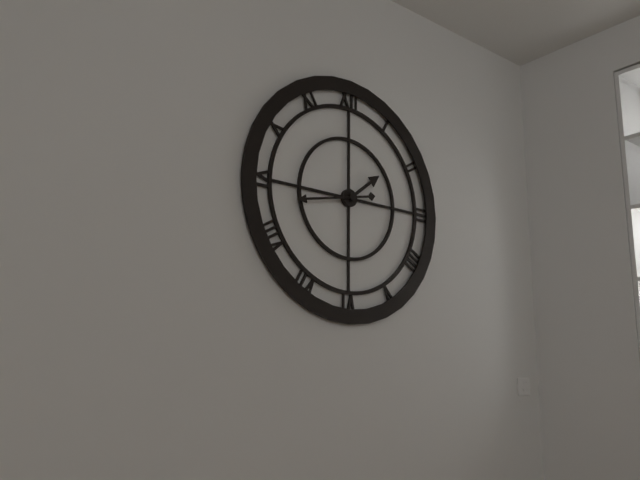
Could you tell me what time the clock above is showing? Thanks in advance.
1:43
